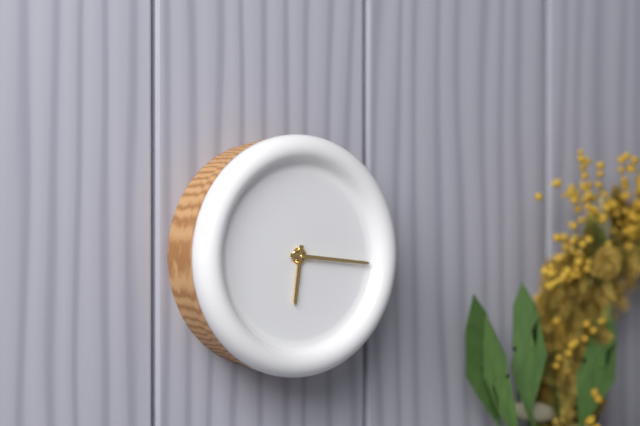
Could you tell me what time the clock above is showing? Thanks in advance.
6:16
